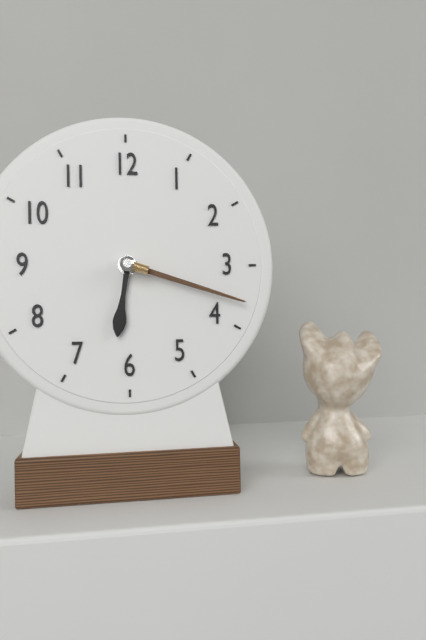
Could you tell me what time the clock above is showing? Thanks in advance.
6:18
